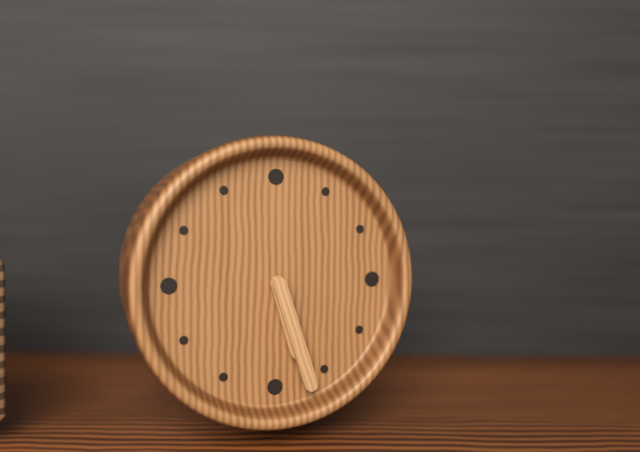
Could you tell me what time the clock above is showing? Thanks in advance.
5:27
